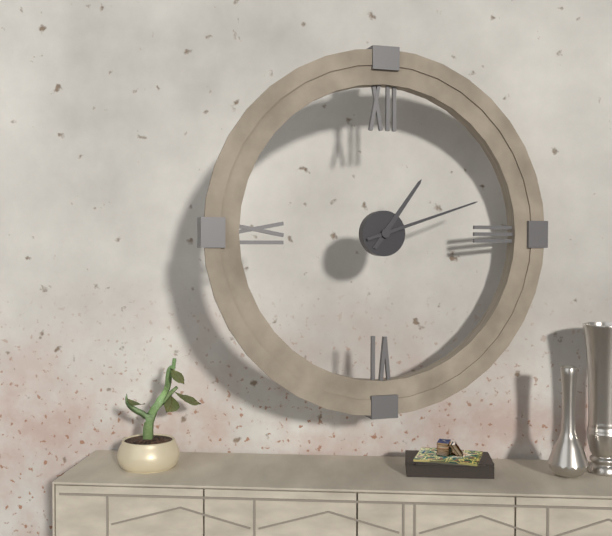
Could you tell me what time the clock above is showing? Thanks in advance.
1:12
